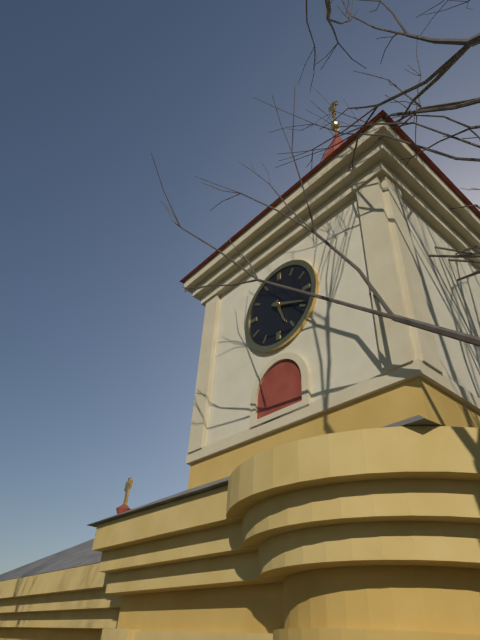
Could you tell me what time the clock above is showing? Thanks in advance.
5:19
